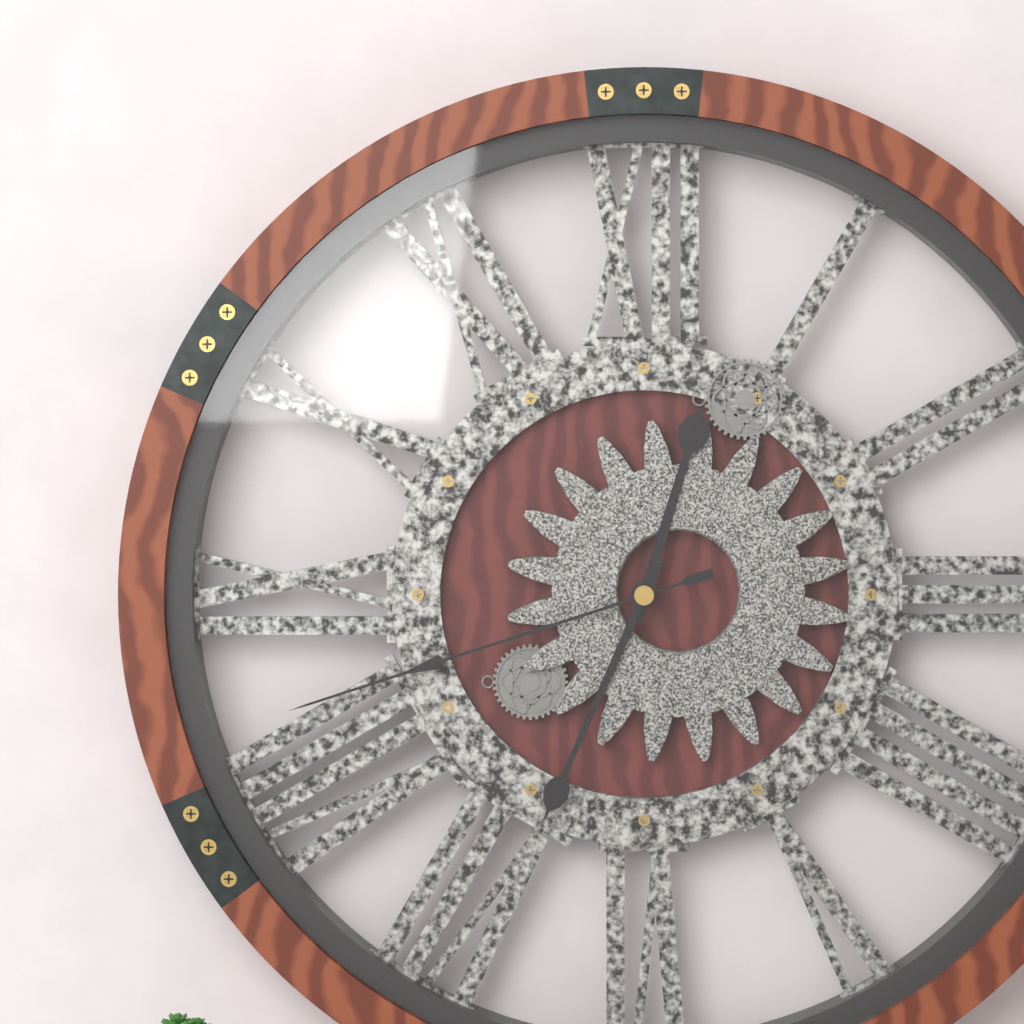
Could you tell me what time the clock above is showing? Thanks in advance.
12:34:42
